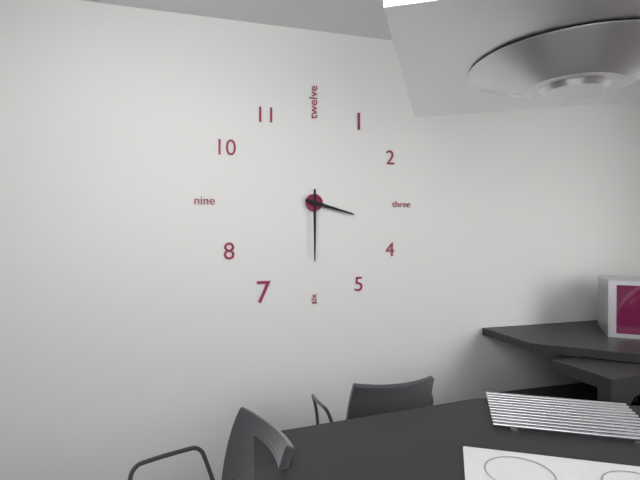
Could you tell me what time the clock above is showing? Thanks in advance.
3:30
